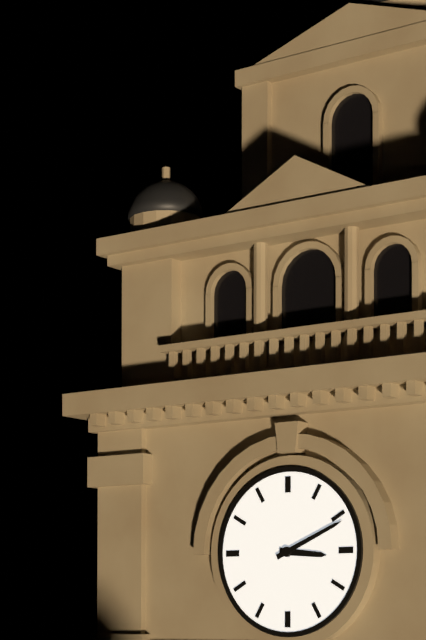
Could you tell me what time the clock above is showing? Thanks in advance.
3:11
